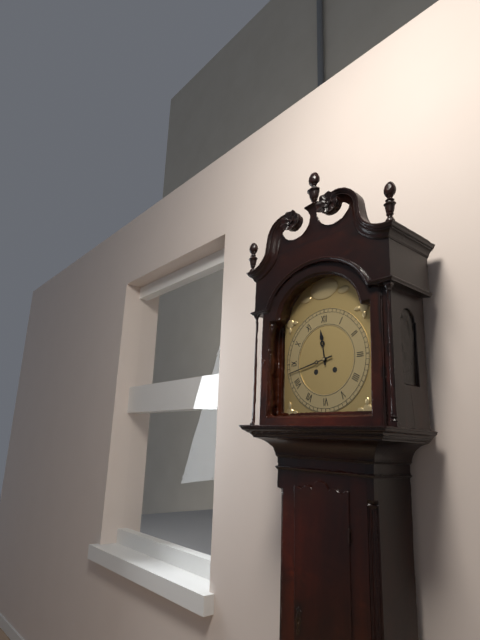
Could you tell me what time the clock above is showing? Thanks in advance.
11:43
